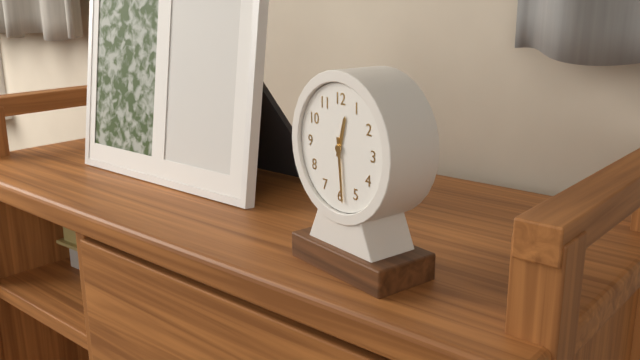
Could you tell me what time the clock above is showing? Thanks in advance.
12:29
